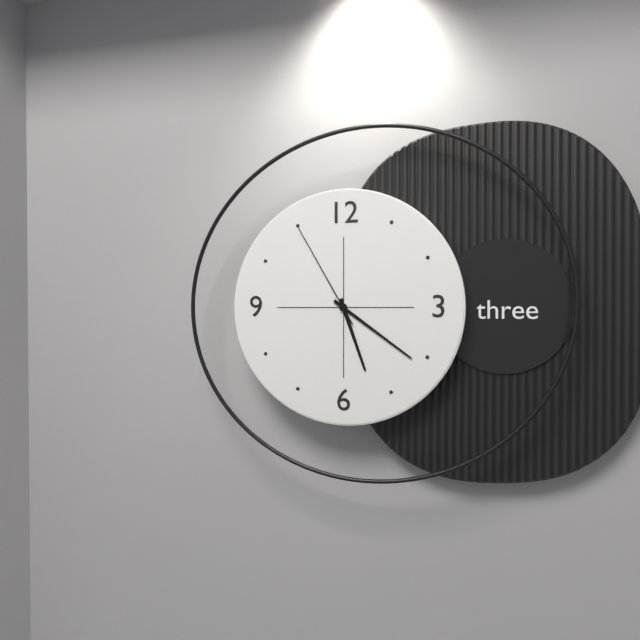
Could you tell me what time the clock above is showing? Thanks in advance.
5:21:55
